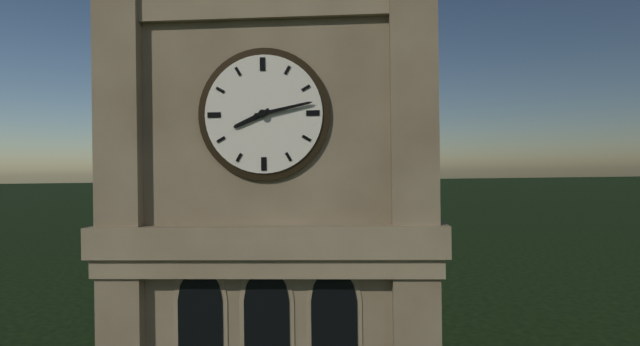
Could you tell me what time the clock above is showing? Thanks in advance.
8:13
